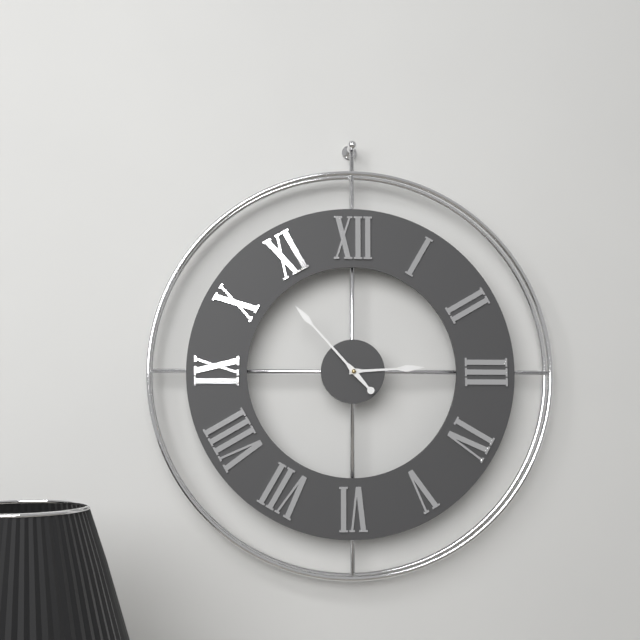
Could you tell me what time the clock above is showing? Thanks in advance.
2:53
